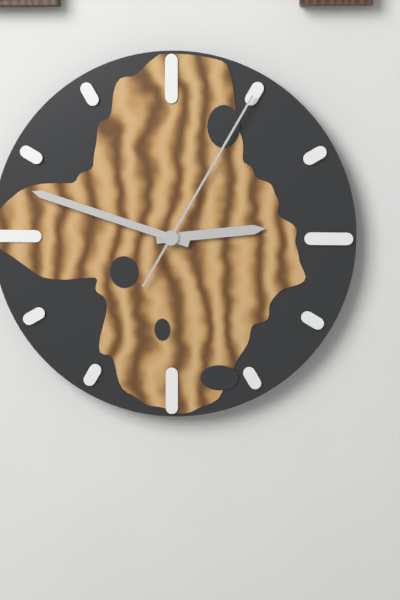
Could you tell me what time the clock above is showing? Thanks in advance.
2:48:05
